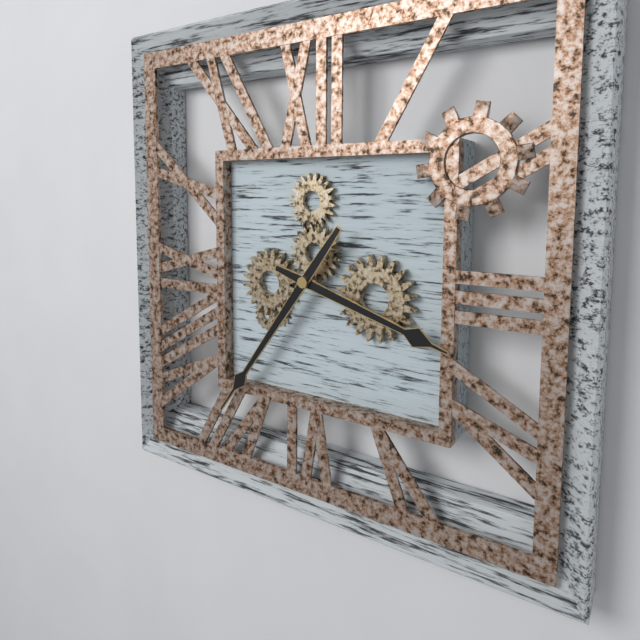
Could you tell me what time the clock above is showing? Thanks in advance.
3:36
